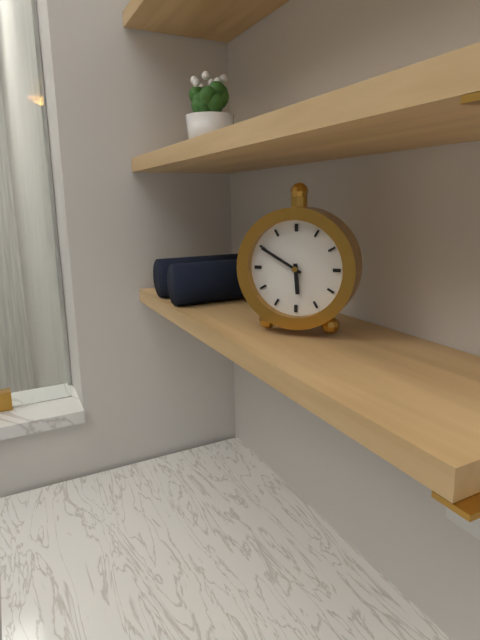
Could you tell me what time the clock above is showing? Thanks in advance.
5:50
